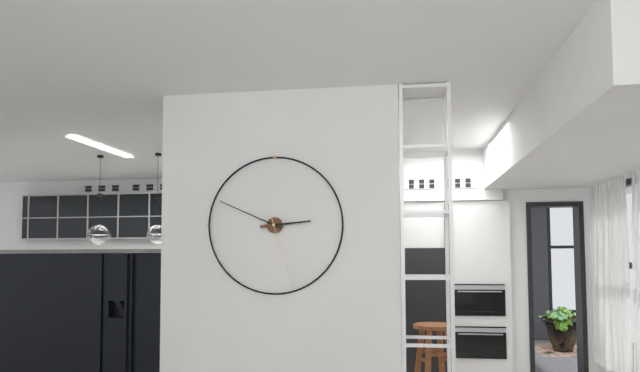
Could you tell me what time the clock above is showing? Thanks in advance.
2:49:27
